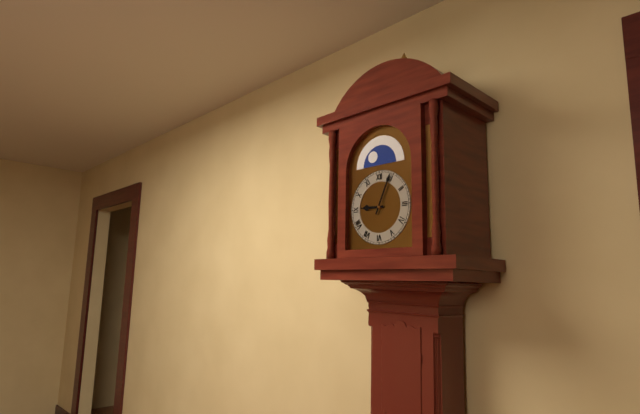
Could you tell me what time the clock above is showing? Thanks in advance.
9:04
